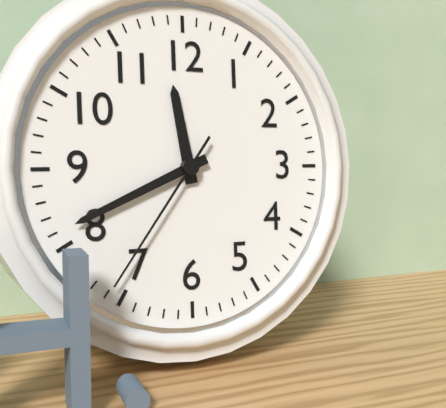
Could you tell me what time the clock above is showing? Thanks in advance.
11:41:36
